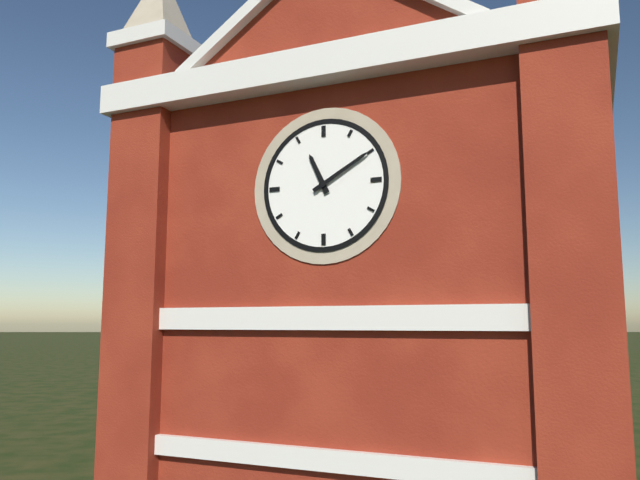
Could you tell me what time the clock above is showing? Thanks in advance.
11:10
